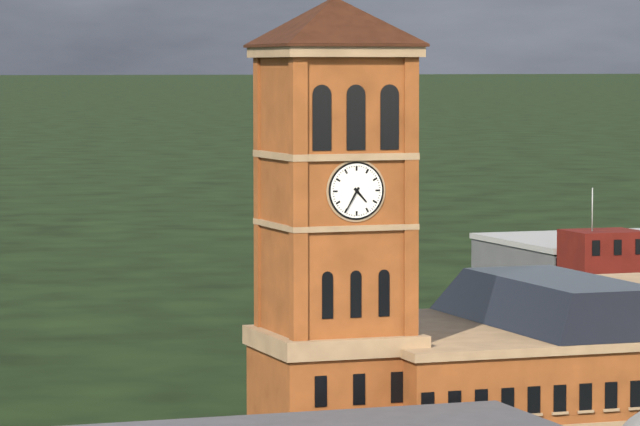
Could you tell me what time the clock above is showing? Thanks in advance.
4:35
